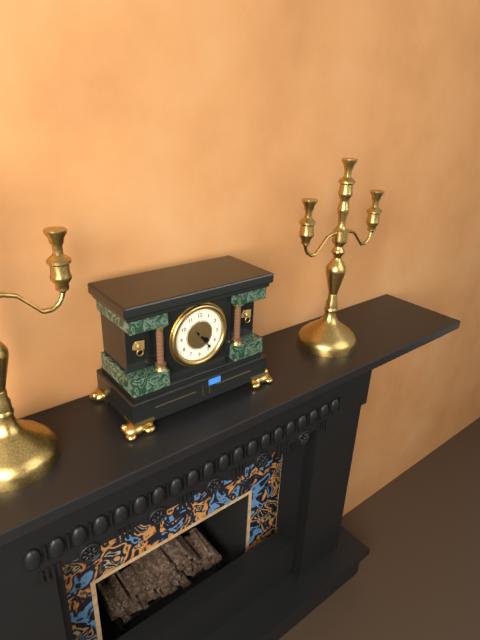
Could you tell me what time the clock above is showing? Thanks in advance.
4:24
